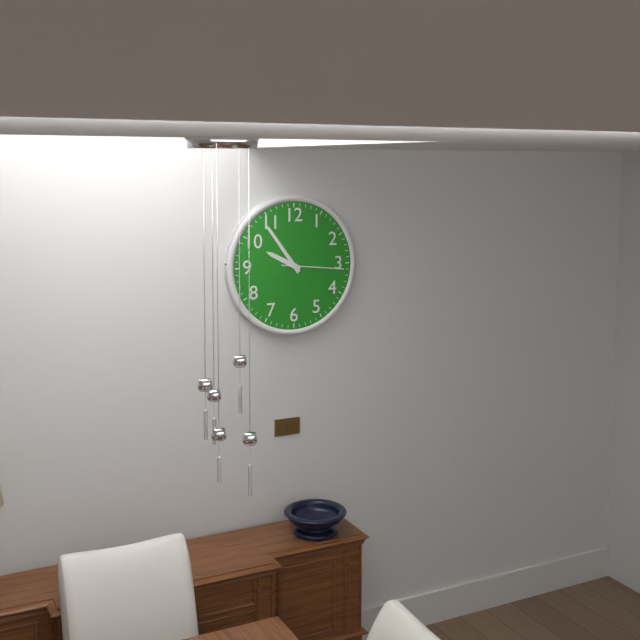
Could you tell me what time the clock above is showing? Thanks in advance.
9:54:16
